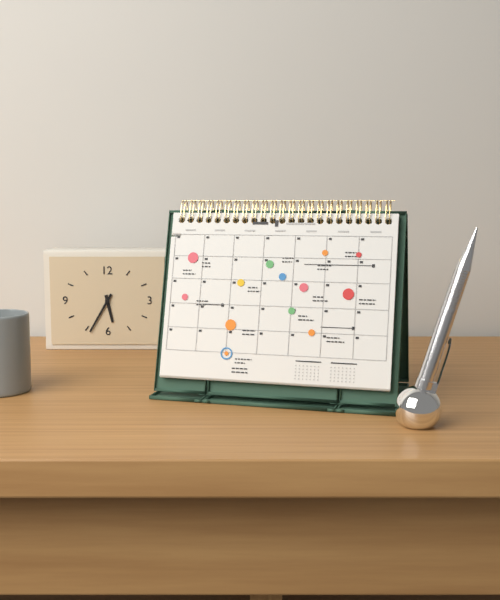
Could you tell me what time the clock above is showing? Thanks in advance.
5:35
